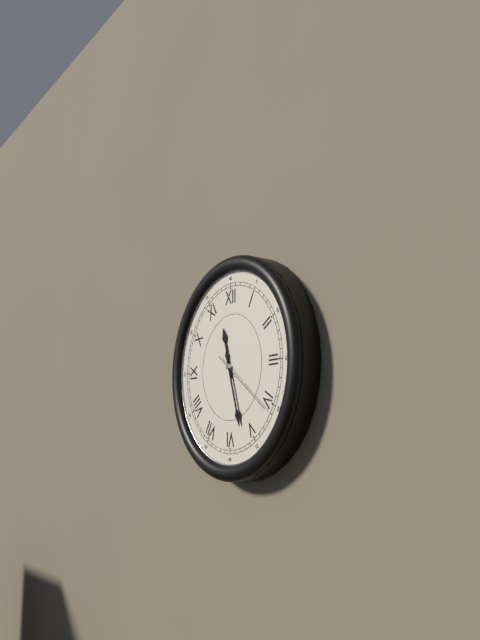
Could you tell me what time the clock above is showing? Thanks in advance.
11:27:21
